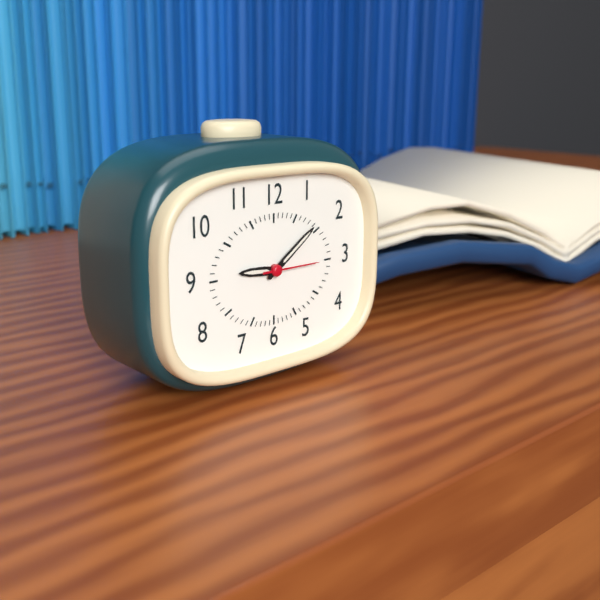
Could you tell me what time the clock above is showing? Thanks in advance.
9:09:15
